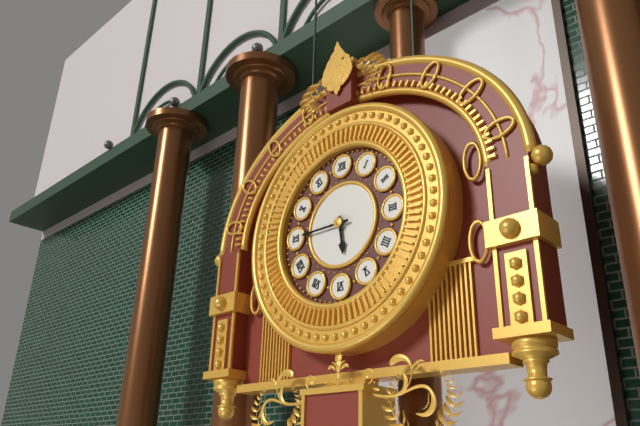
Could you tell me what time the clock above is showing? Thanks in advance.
5:45
